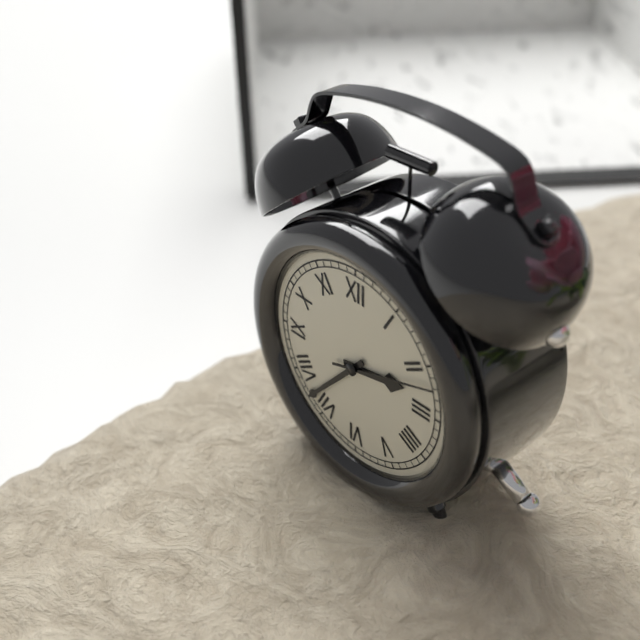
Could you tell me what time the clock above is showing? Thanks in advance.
2:37:12
